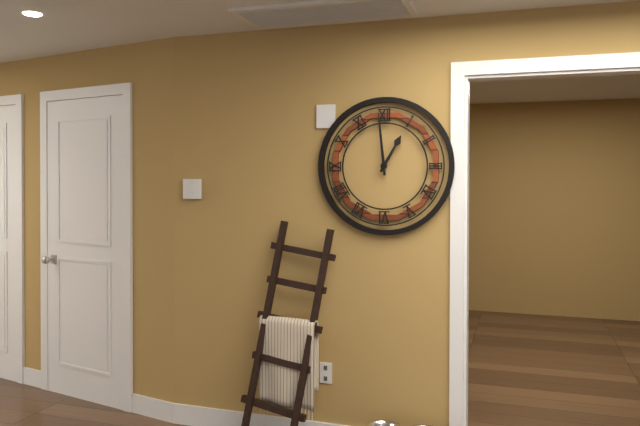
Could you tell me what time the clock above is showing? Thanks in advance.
12:59
